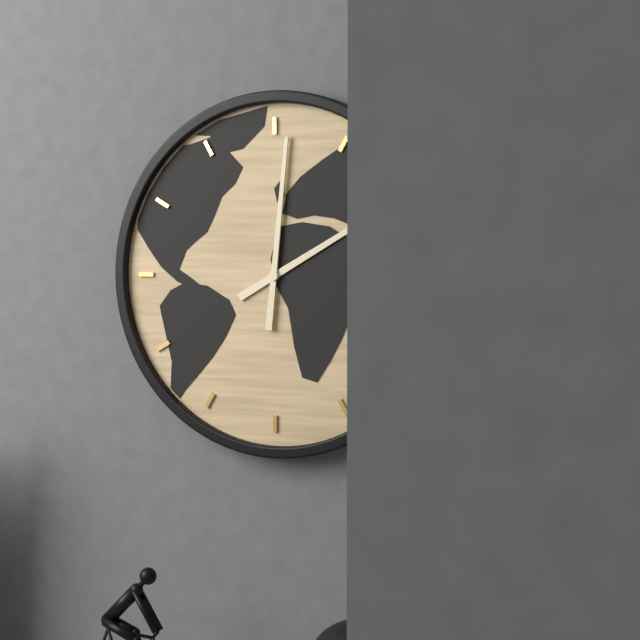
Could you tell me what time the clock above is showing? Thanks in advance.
2:01
